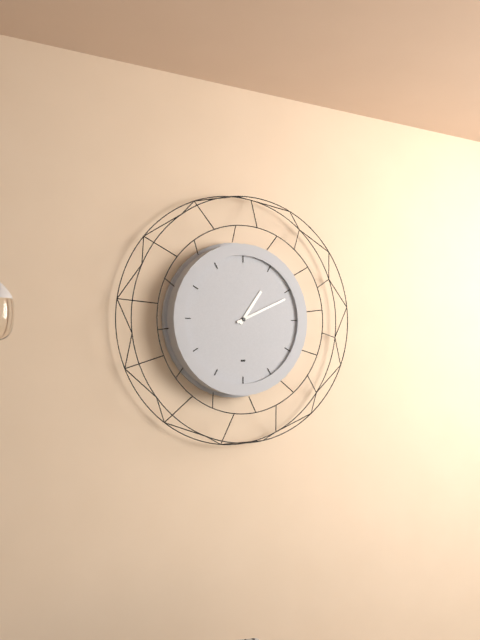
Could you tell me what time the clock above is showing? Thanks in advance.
1:11
